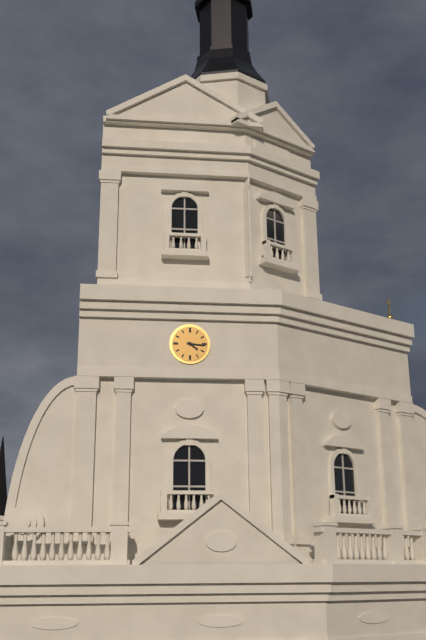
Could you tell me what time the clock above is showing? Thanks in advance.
4:16
